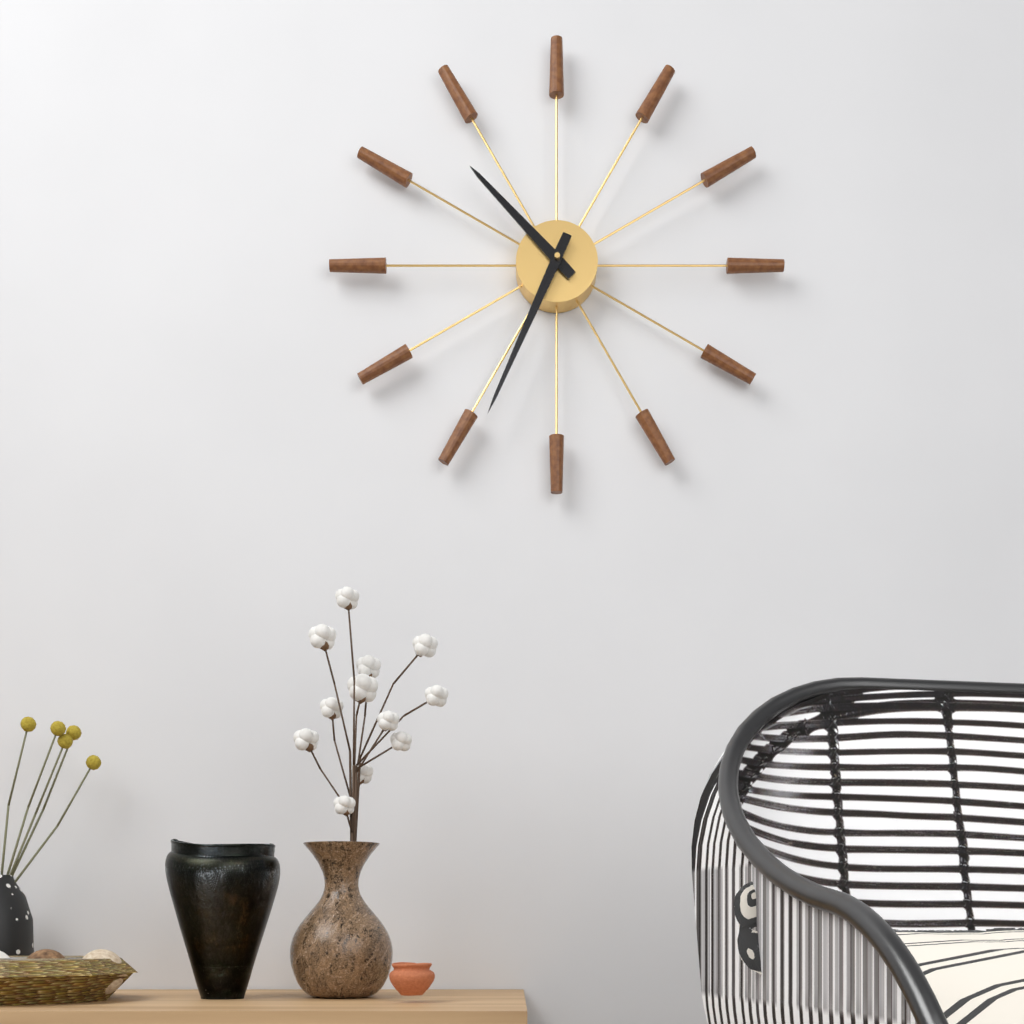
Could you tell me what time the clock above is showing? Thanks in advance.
10:34
